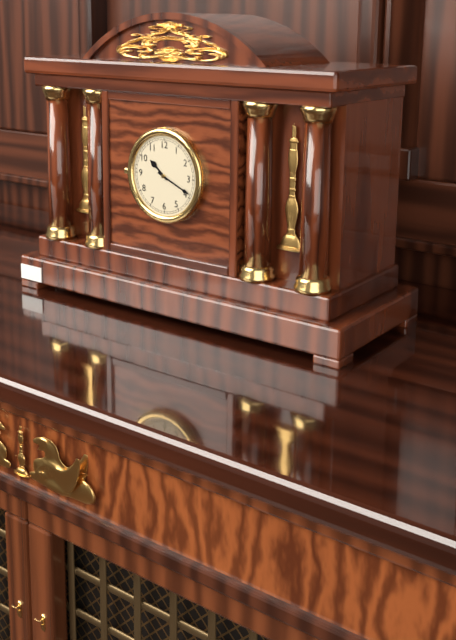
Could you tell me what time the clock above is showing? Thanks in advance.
10:19
